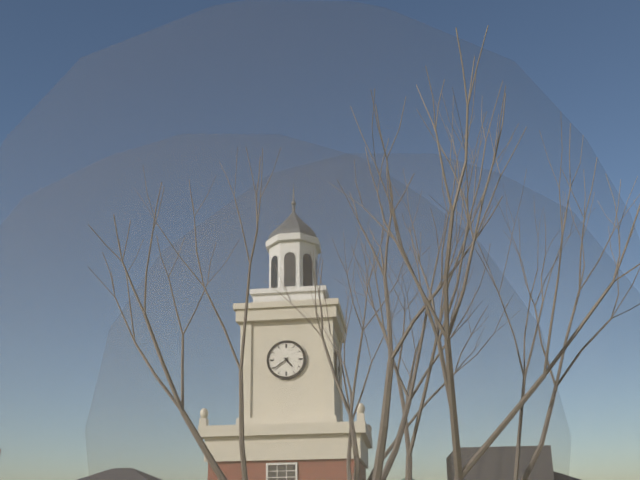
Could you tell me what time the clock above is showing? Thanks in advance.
4:39
